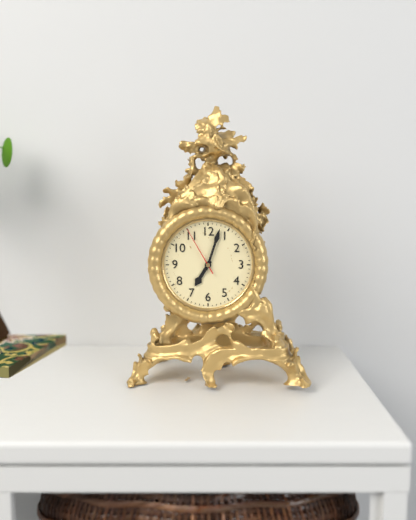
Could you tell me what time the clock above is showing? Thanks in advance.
7:03:55
